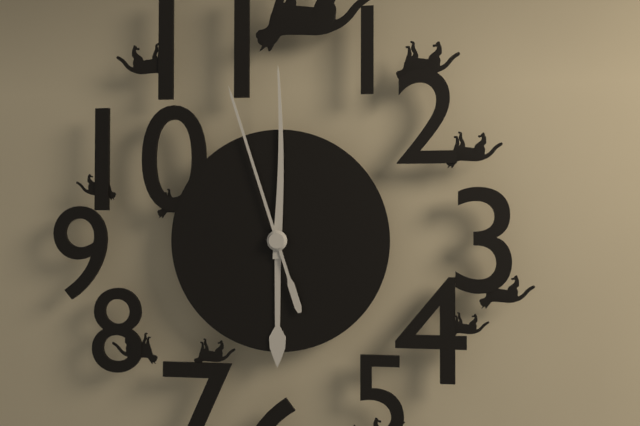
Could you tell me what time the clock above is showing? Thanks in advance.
6:00:57
